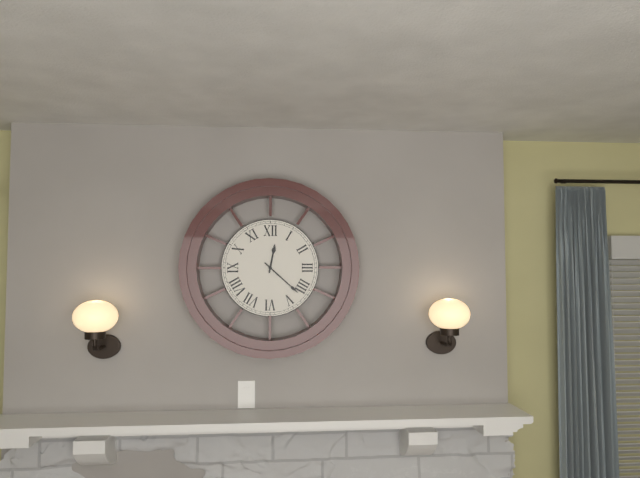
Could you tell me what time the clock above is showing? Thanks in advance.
12:22
